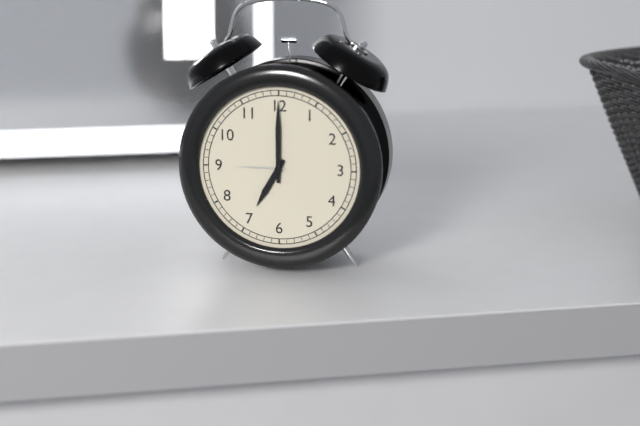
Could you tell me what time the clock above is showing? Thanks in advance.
7:00
